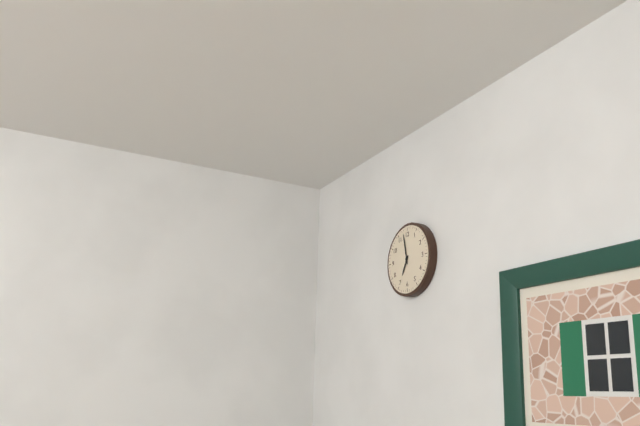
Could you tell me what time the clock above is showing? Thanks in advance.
6:58
